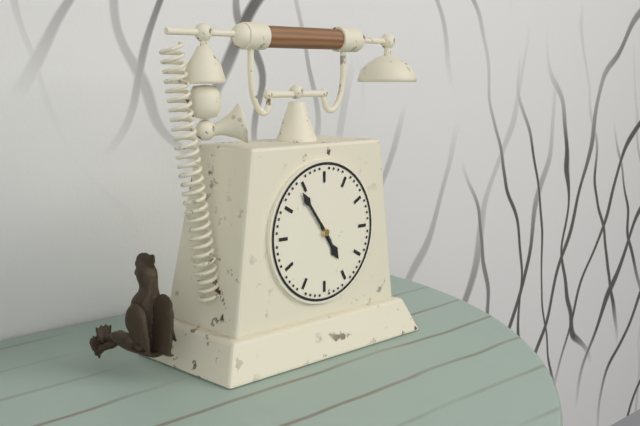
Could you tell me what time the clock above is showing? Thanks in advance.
4:54
